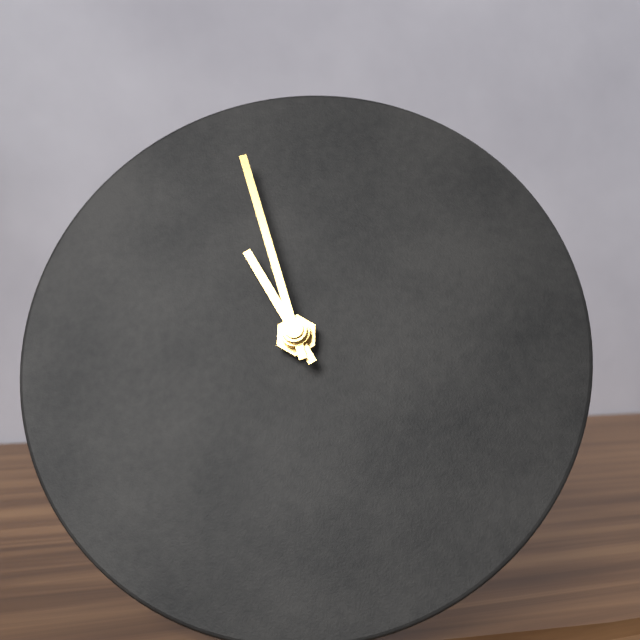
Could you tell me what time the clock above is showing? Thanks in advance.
10:57
